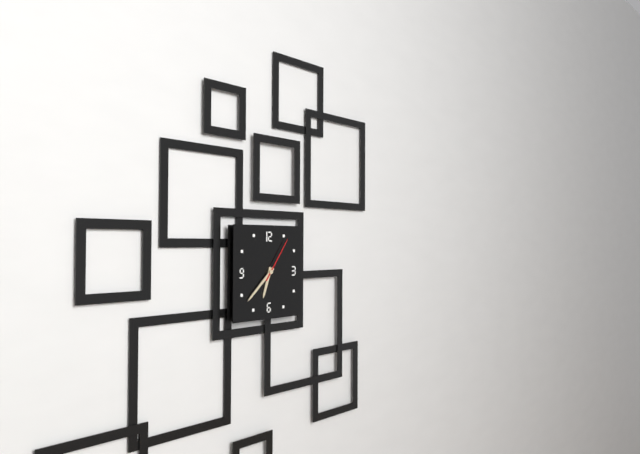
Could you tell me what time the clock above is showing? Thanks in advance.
6:38
